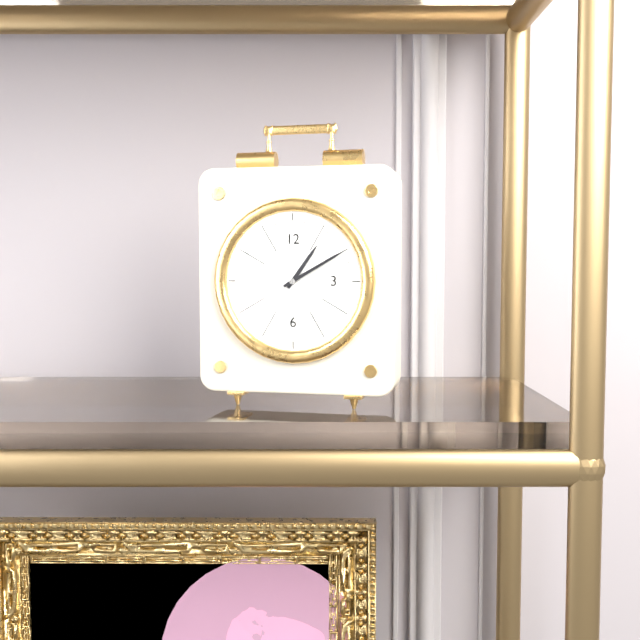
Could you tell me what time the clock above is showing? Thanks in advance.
1:10
